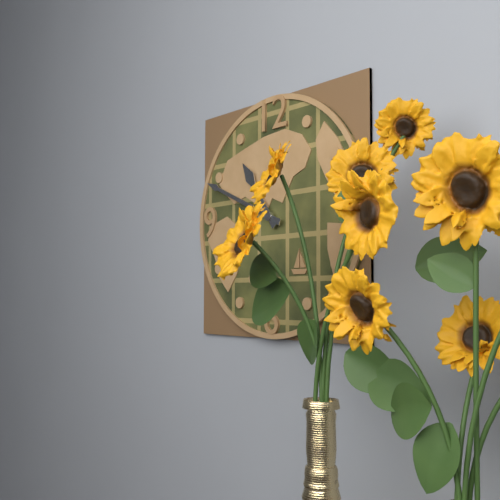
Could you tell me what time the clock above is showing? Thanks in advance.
10:49
